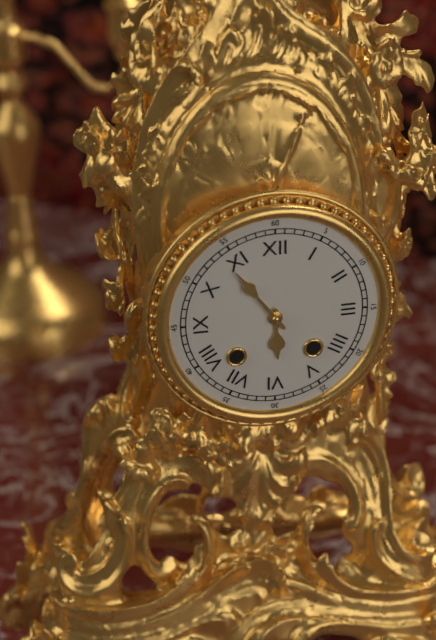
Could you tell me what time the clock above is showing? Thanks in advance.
5:54
